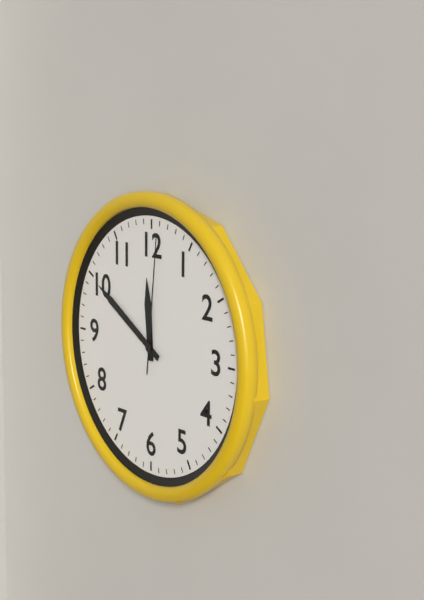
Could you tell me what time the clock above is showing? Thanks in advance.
11:50:01
